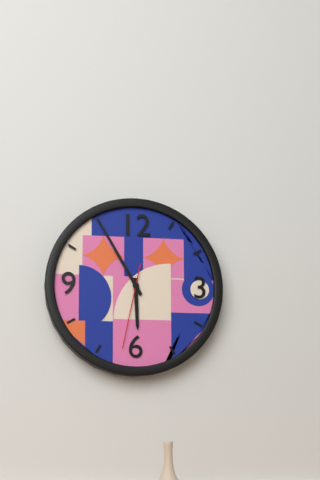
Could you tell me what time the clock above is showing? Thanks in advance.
5:55:32
